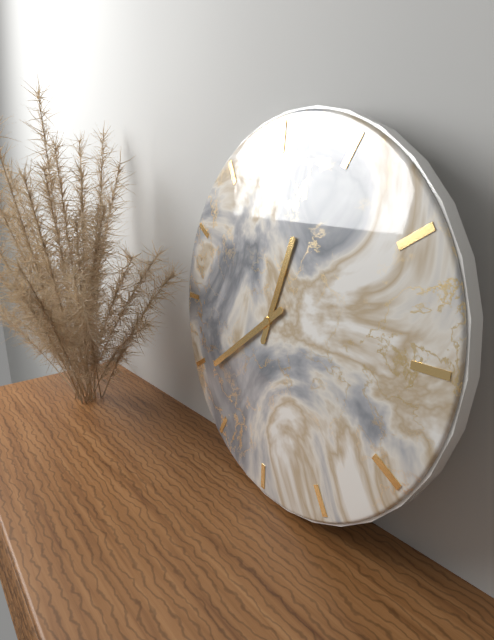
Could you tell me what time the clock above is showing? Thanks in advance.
12:39
